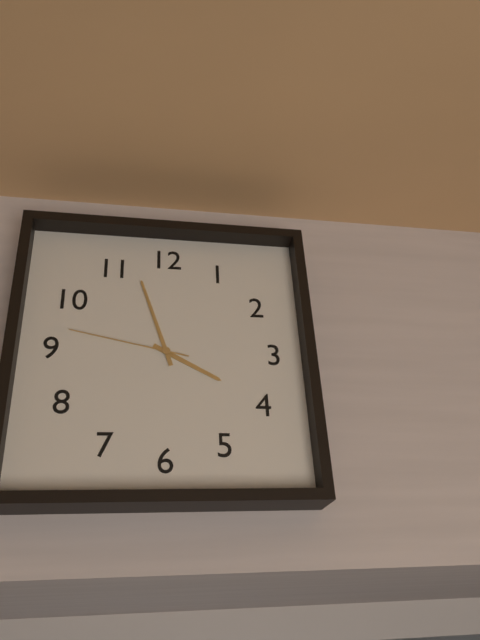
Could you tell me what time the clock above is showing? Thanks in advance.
3:57:47
